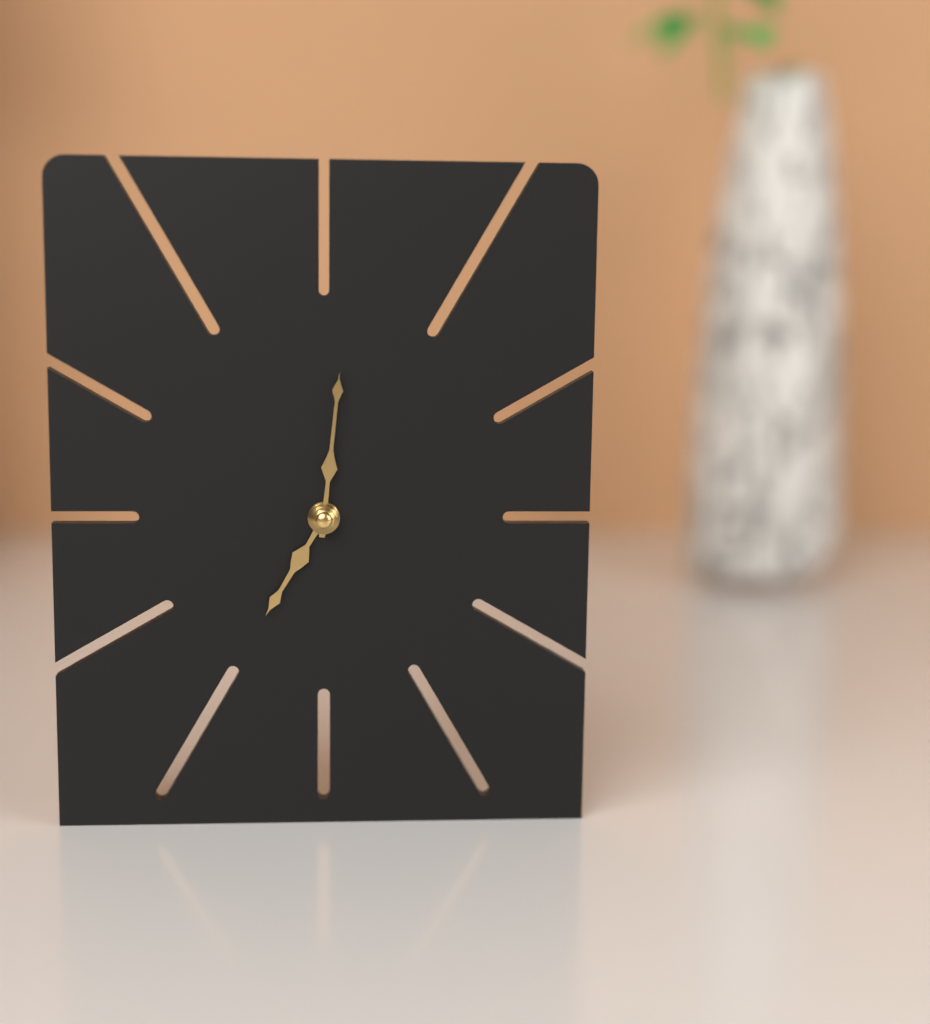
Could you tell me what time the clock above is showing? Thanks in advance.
7:01
